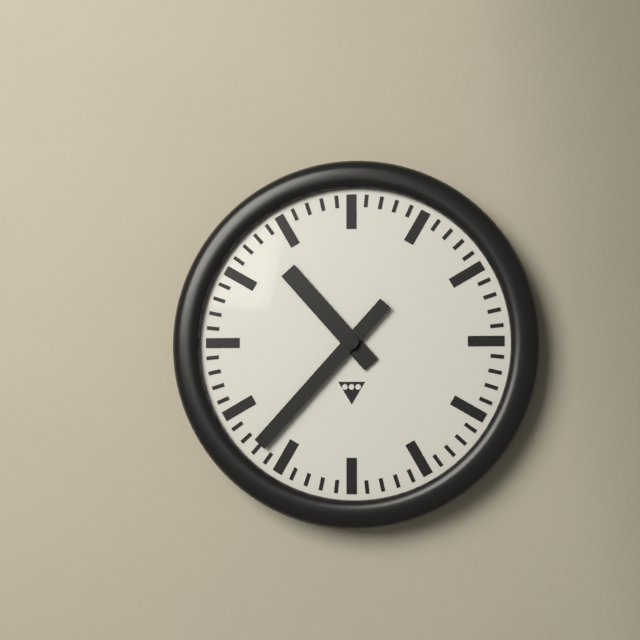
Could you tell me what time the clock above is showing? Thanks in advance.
10:37
